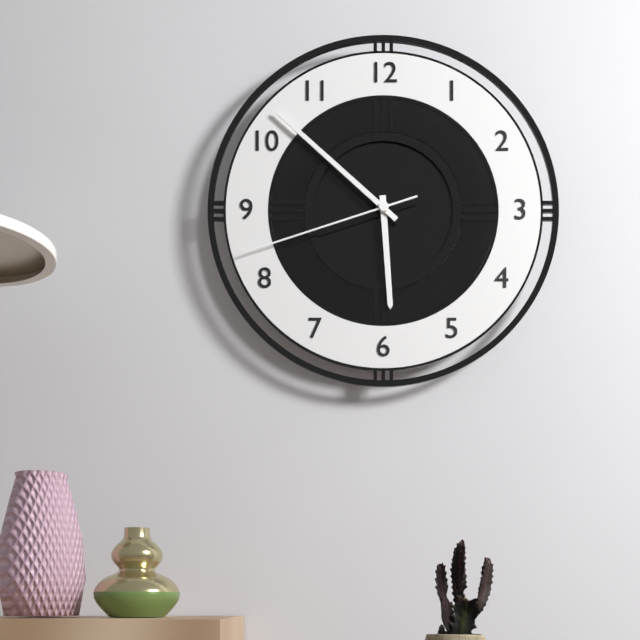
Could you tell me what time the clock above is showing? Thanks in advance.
5:52:42
